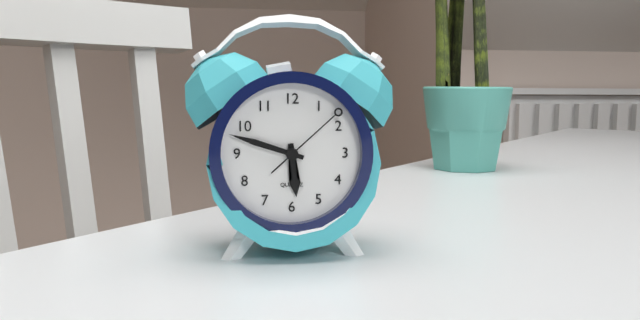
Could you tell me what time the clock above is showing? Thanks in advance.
5:48:08
